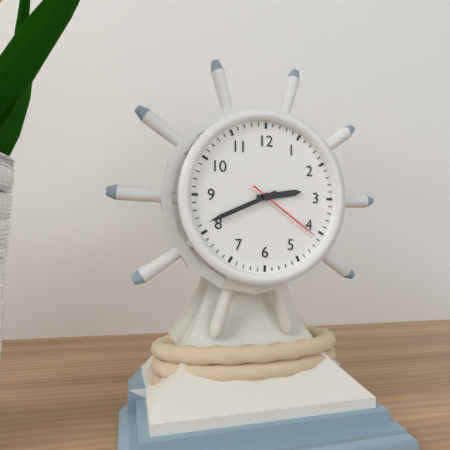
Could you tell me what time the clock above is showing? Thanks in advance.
2:41:21
